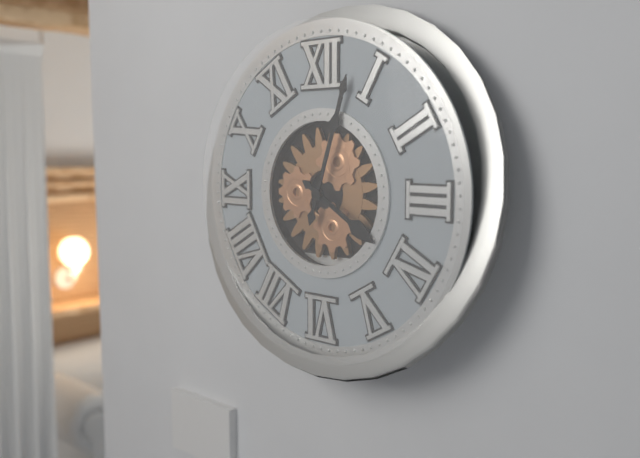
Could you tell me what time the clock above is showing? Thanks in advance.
4:03
